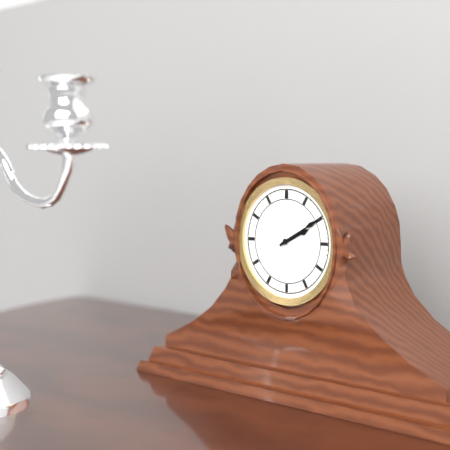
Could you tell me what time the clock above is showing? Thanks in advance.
2:10
